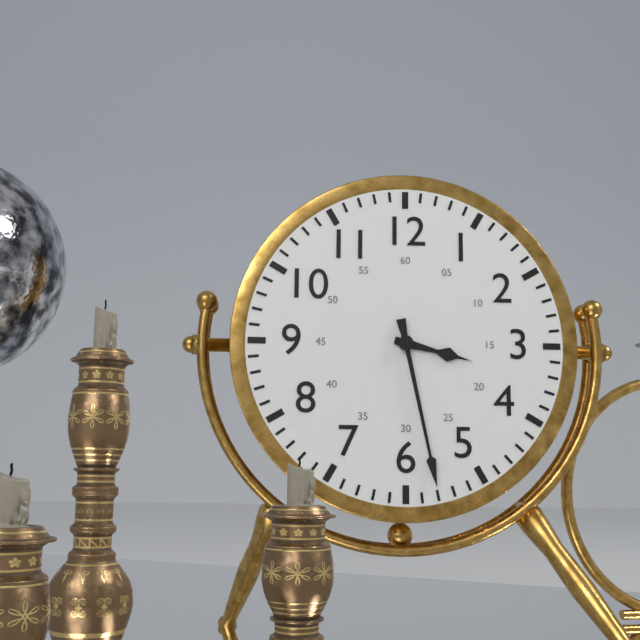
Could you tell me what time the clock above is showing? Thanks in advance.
3:28
